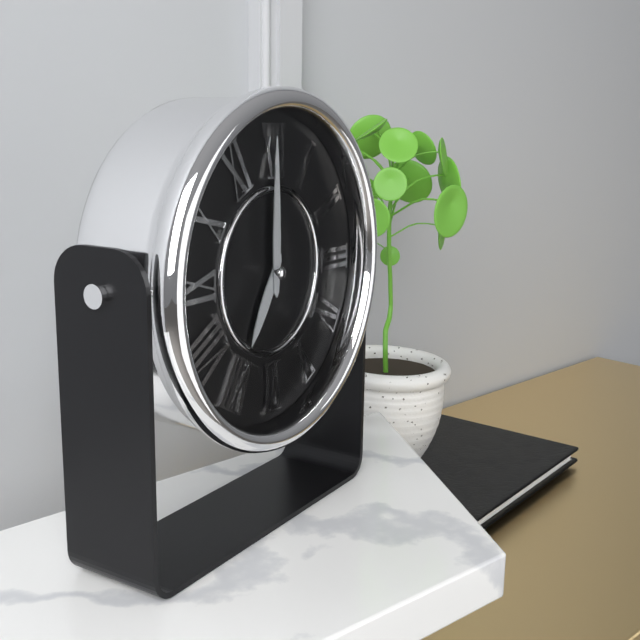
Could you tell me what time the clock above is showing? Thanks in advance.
7:00
